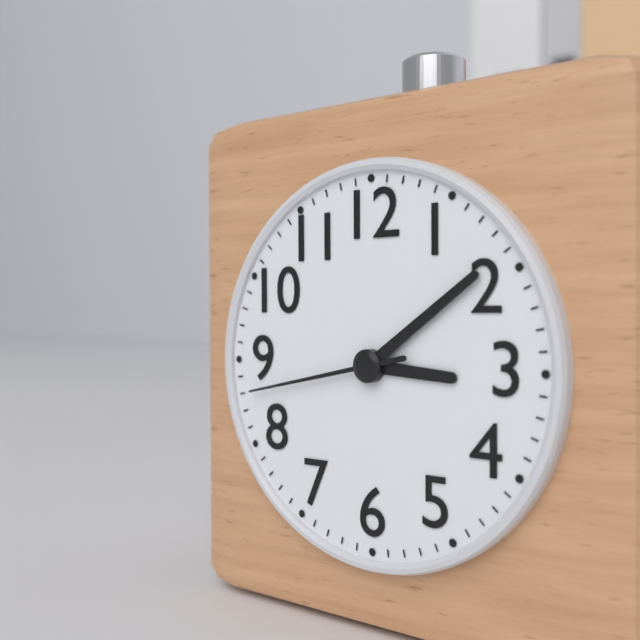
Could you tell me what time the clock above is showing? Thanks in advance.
3:09:43
